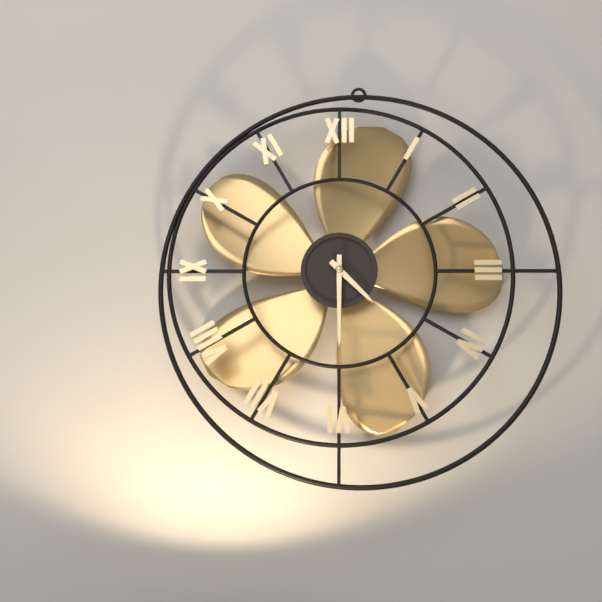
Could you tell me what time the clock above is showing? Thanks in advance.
4:30
